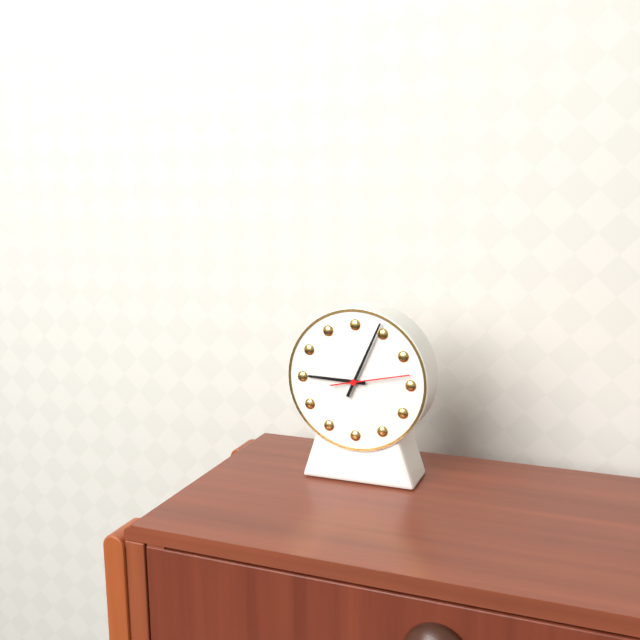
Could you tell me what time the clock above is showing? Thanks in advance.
9:04:13
